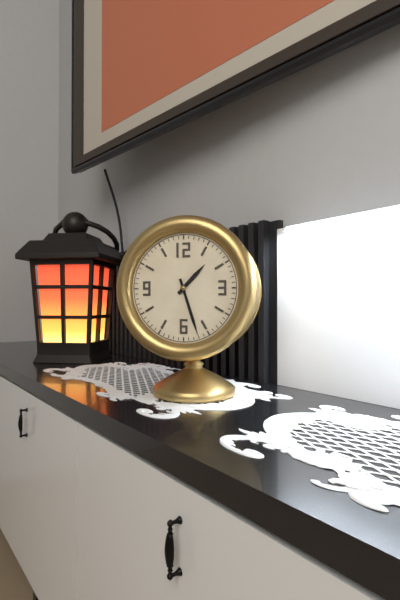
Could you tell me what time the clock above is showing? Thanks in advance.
1:27
